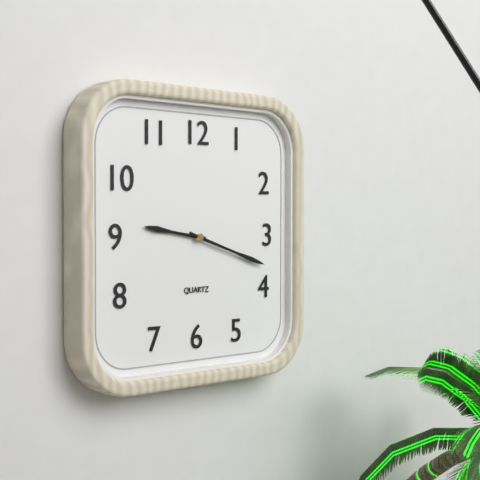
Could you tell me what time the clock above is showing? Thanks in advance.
9:18
